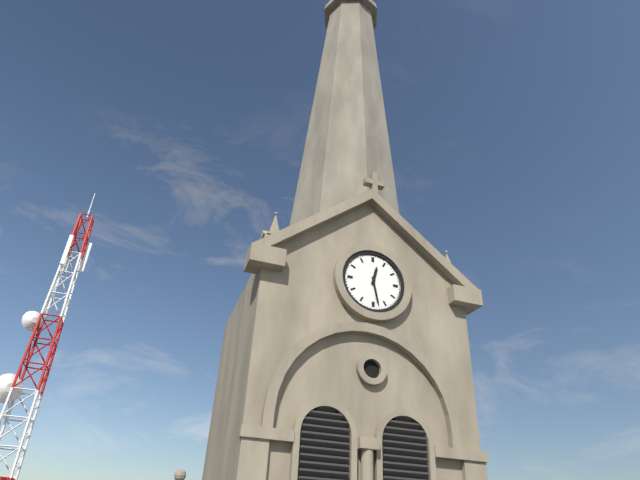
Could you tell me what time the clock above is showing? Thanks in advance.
12:28
